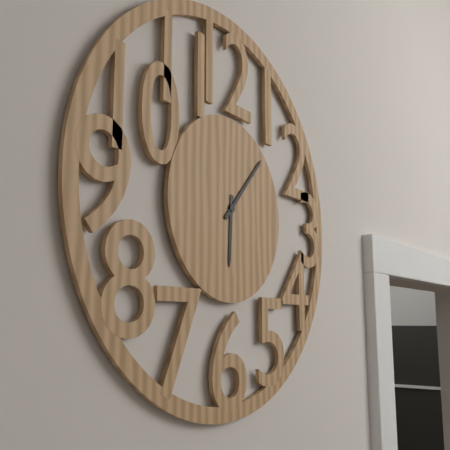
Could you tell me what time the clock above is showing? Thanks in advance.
6:07
